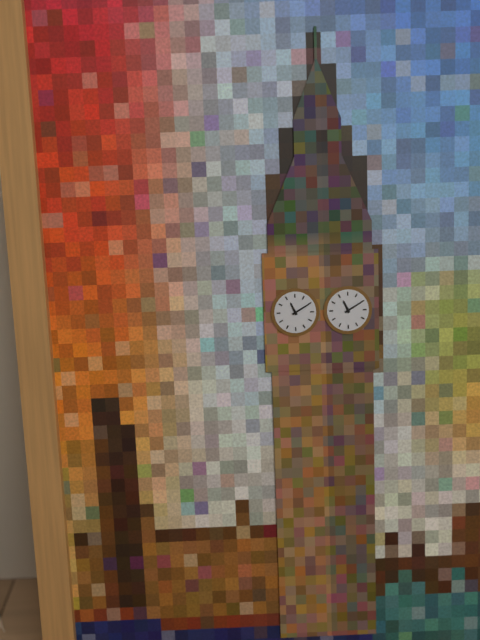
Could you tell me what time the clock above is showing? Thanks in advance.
11:10
